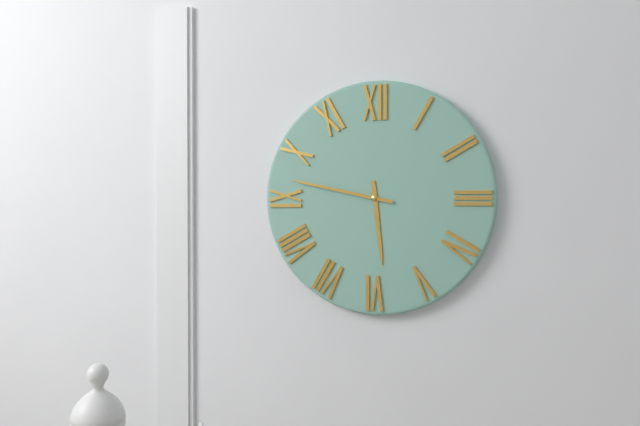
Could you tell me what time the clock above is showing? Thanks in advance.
5:47
